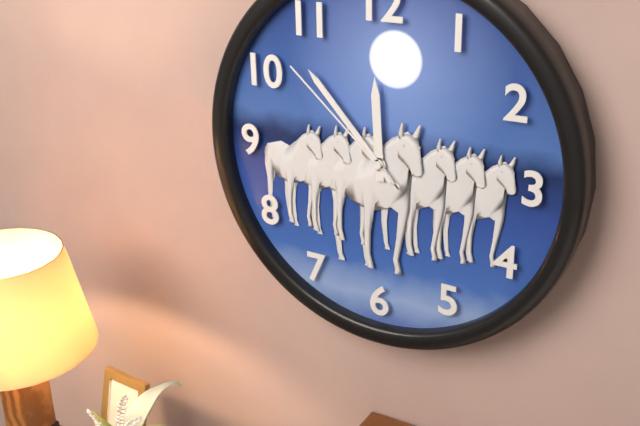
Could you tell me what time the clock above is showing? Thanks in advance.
11:53:52
